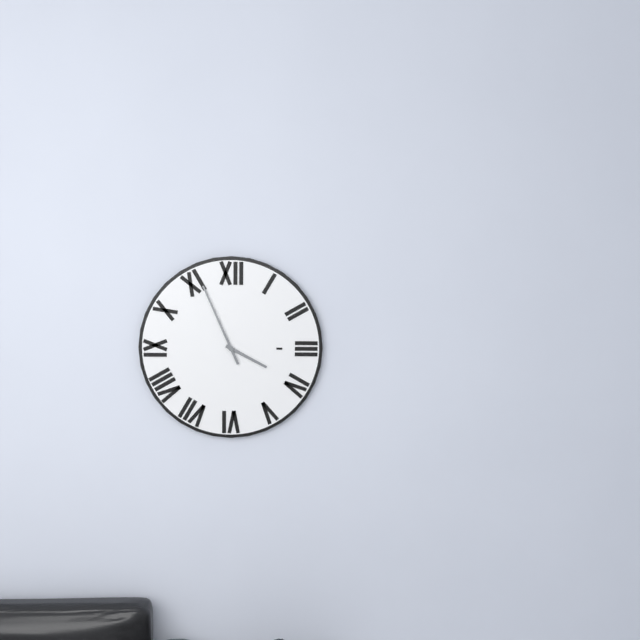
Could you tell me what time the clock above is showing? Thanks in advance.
3:56
